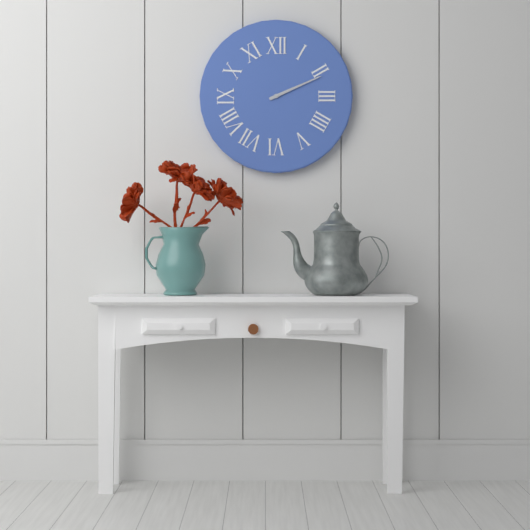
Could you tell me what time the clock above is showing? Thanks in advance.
2:11
